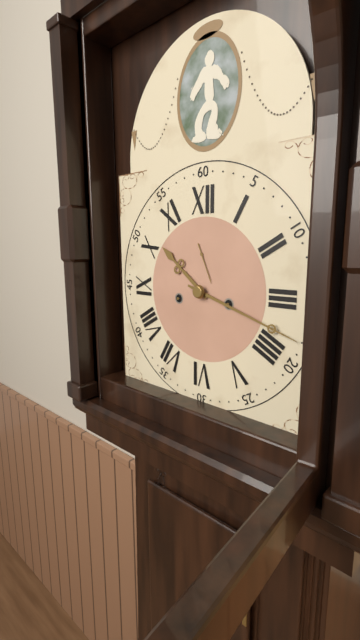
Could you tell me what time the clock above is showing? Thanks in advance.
10:18
